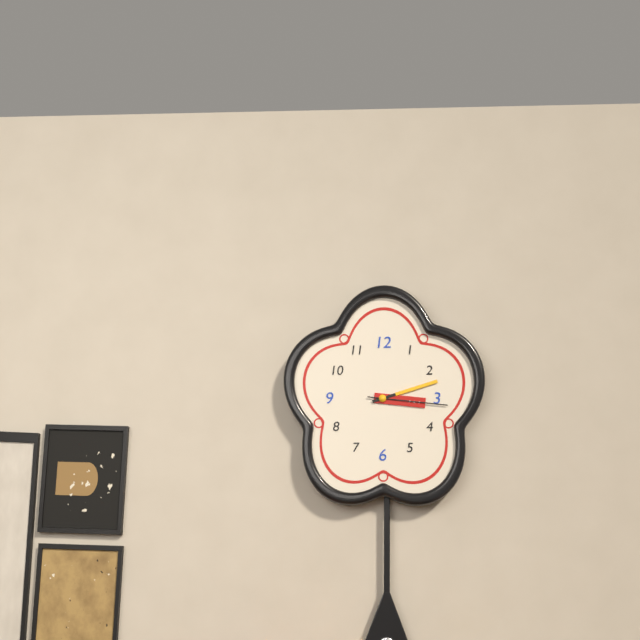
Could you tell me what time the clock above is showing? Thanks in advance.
3:12:16
